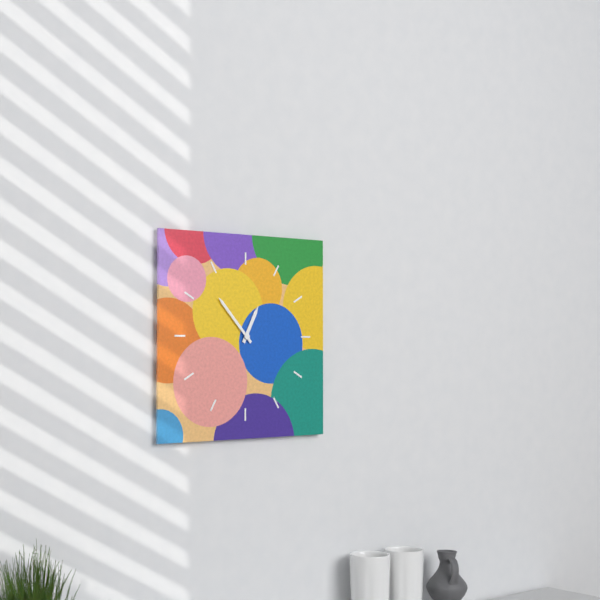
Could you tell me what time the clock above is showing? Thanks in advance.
12:53
